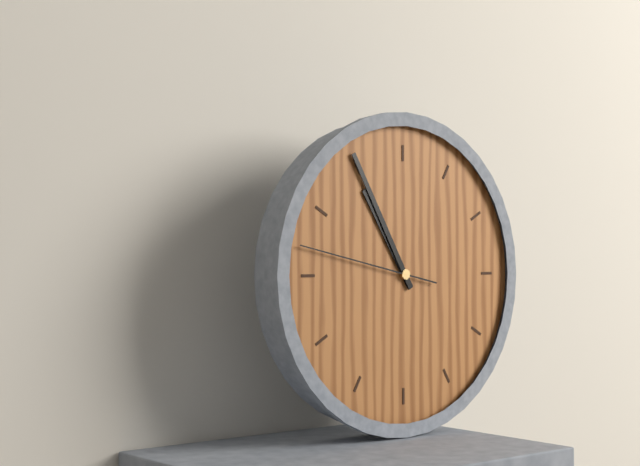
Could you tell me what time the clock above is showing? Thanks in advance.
10:55:47
